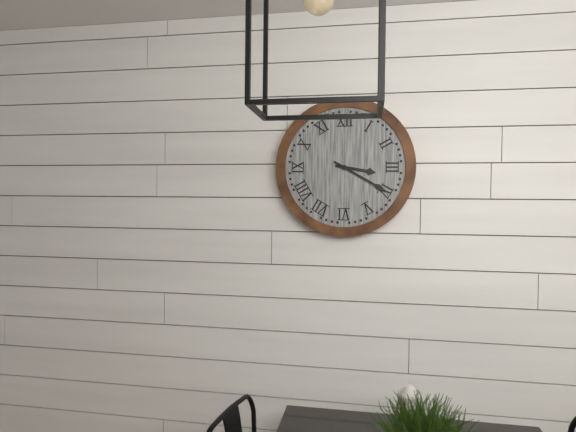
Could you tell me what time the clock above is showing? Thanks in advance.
3:20
